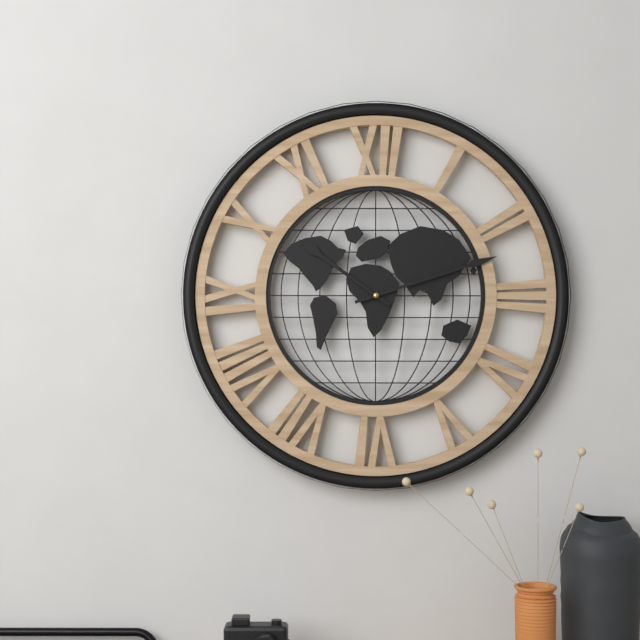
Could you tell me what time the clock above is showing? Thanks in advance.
10:12
